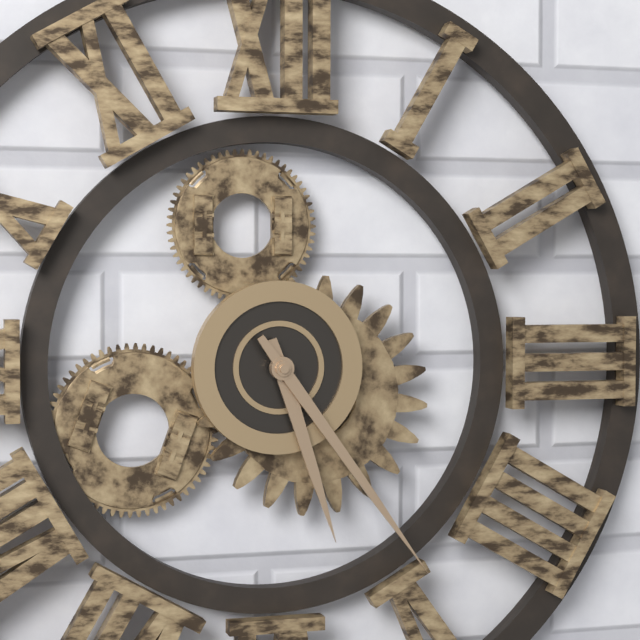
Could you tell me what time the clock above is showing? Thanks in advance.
5:24
